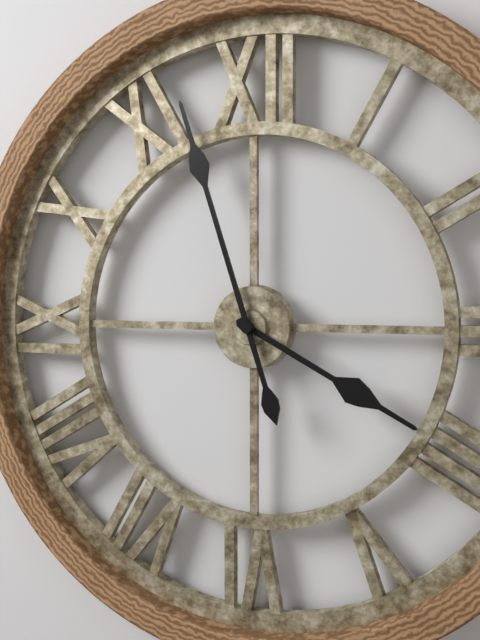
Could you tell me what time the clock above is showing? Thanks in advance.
3:57
